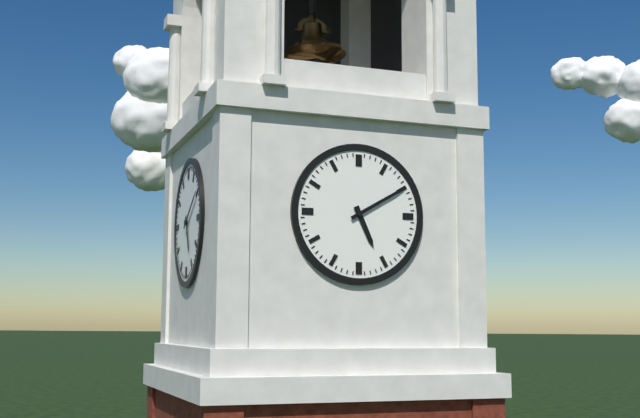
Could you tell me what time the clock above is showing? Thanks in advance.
5:10
